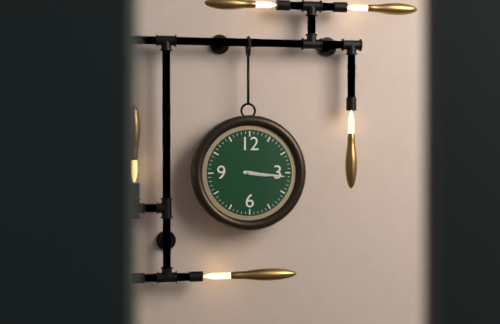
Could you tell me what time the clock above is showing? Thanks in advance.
3:16
